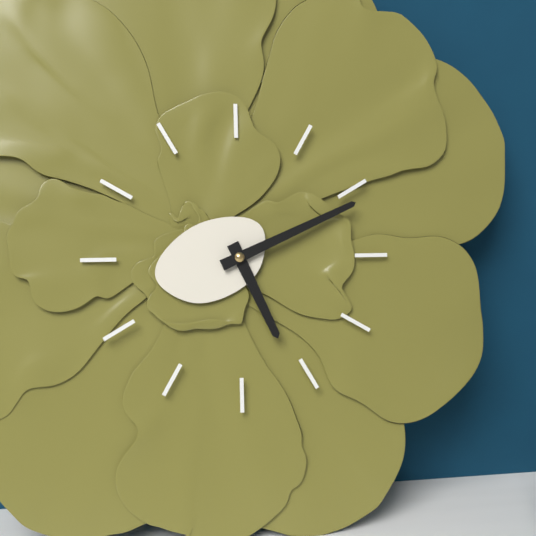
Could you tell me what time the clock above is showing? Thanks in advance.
5:11
